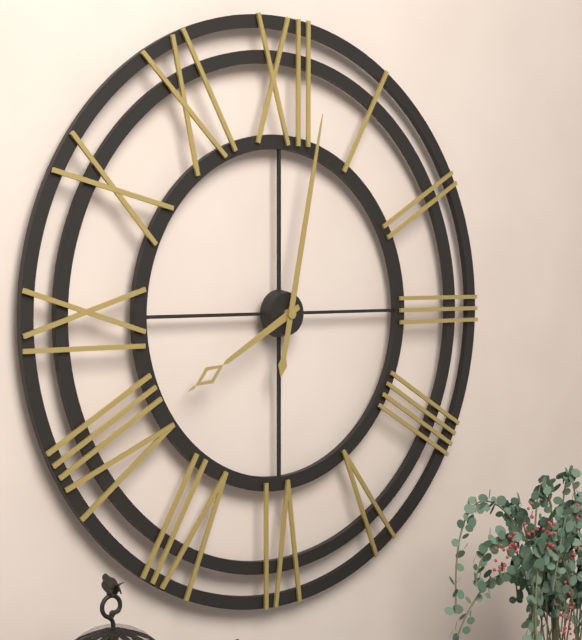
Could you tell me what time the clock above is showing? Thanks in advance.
8:02
